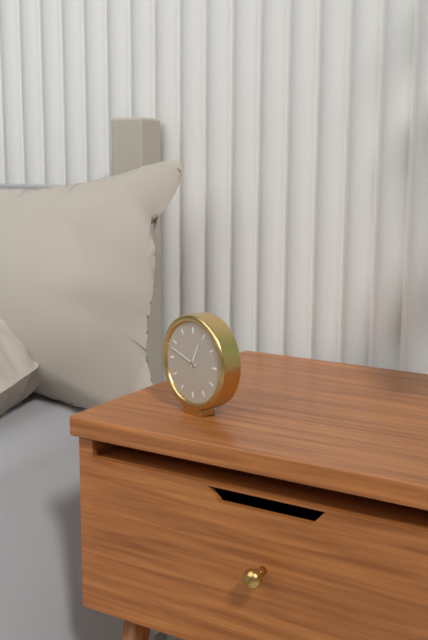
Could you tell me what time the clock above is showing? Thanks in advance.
12:48
